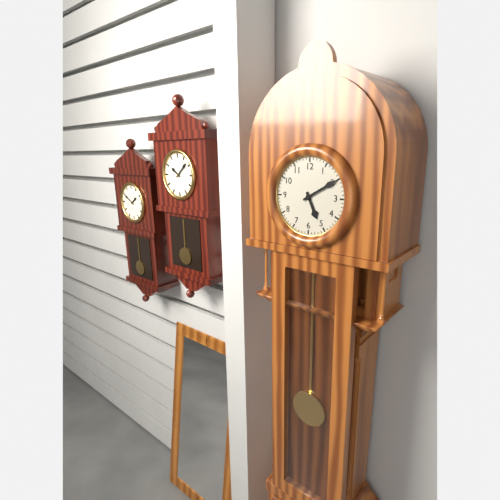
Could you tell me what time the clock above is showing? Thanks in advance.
5:10
